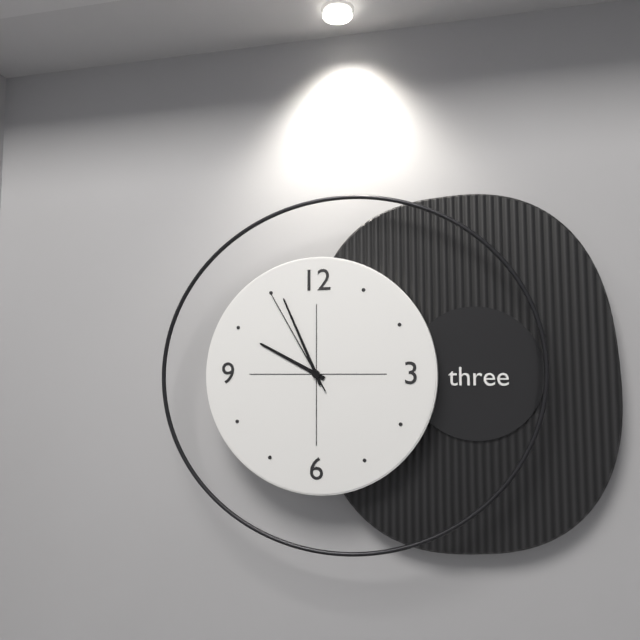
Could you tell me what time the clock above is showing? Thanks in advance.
9:56:55
